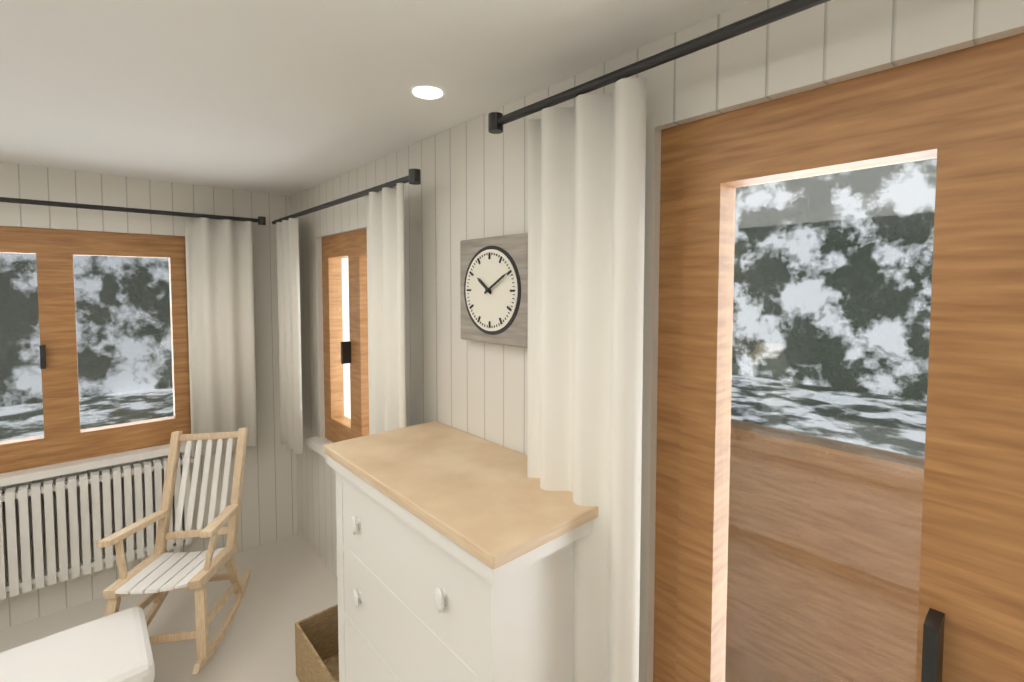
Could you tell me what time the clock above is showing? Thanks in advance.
10:10
